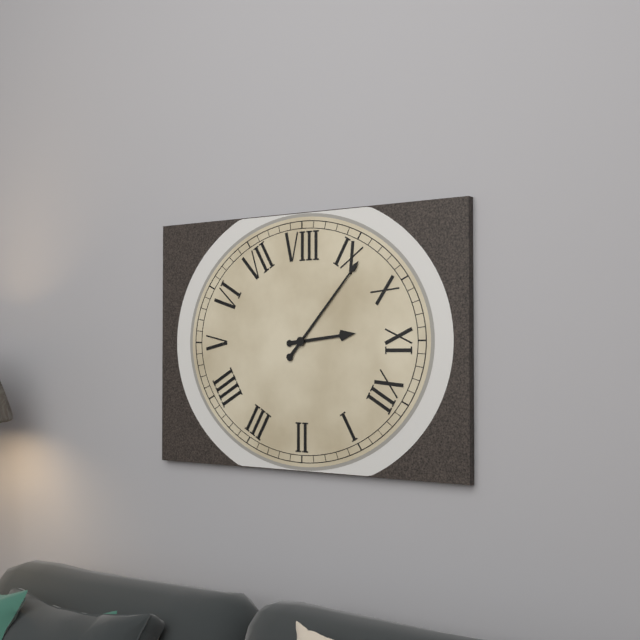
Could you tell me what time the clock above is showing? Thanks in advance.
10:47
